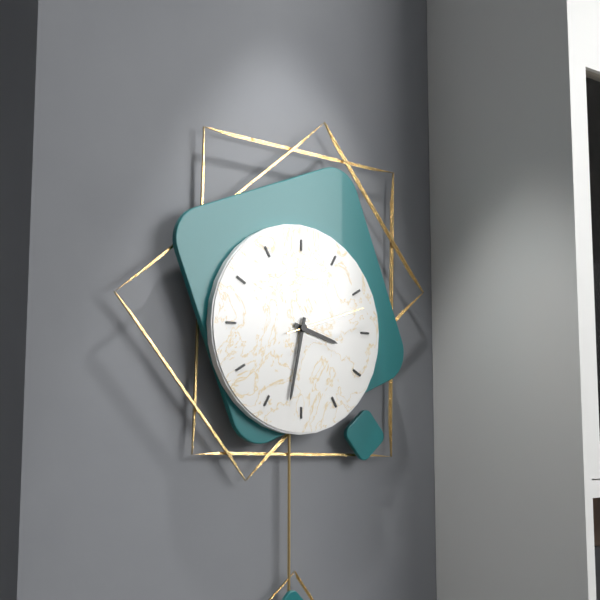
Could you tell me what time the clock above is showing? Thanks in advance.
3:32:12
